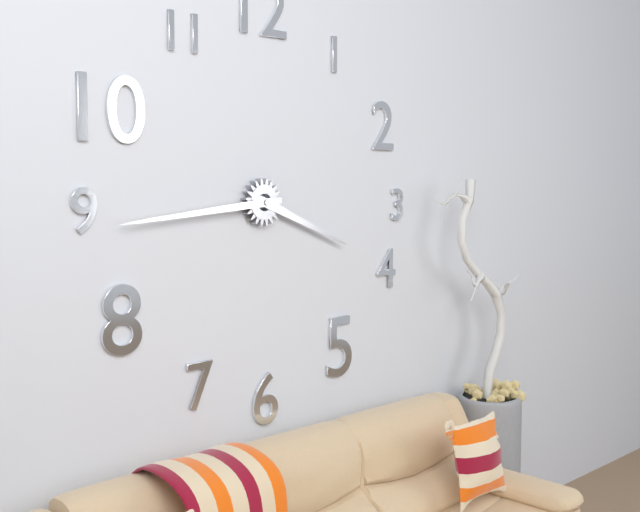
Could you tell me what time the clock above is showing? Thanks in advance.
3:44
